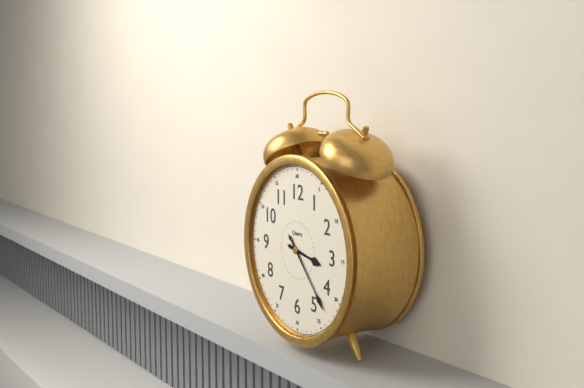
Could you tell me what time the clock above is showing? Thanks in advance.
3:23
